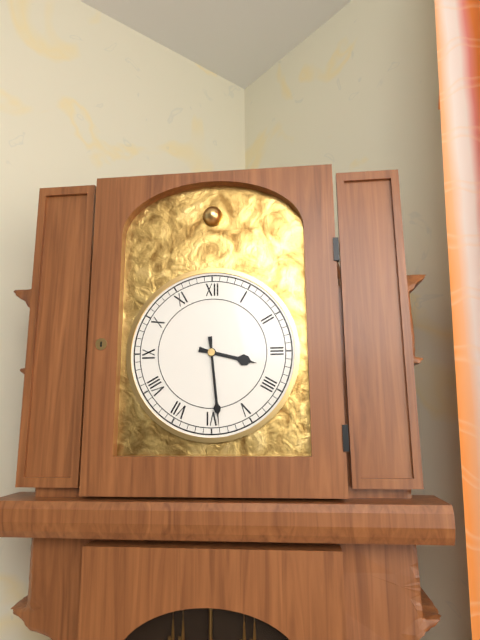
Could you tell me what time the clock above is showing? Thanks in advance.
3:29
